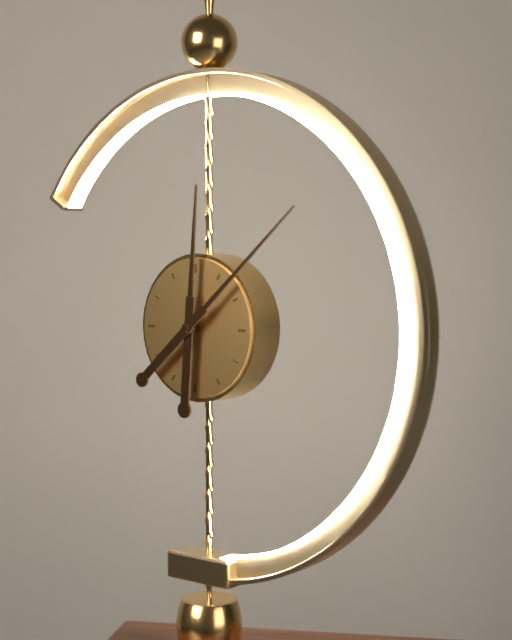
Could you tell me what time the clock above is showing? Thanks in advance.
12:08
